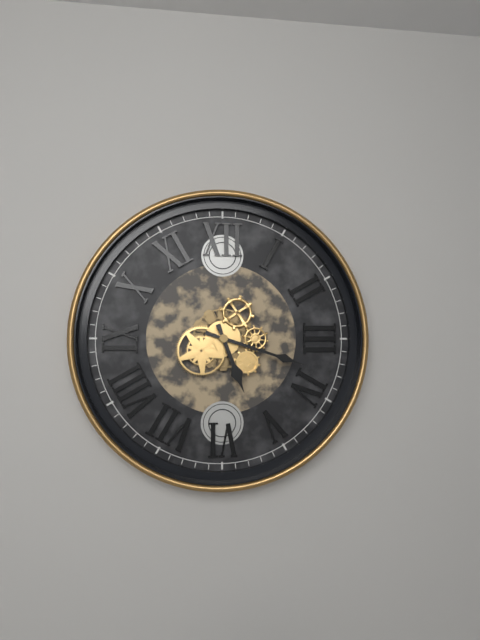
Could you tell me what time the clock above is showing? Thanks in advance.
5:18
